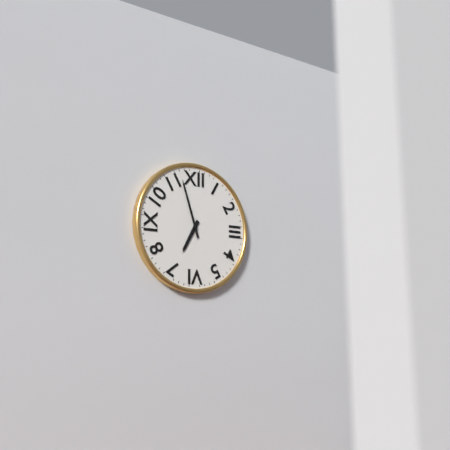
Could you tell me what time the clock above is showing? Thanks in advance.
6:57
